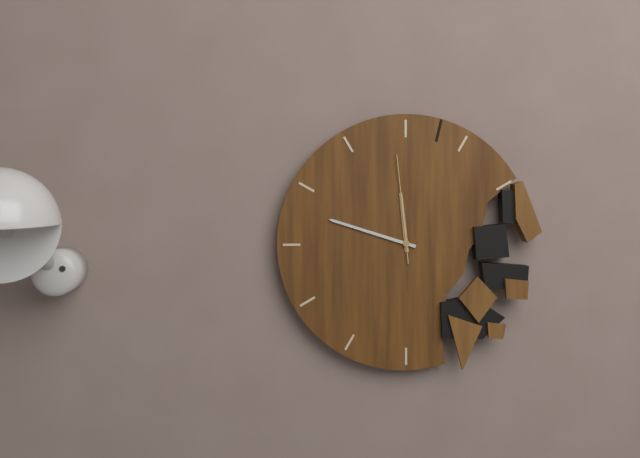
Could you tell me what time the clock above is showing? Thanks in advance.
11:48:59
